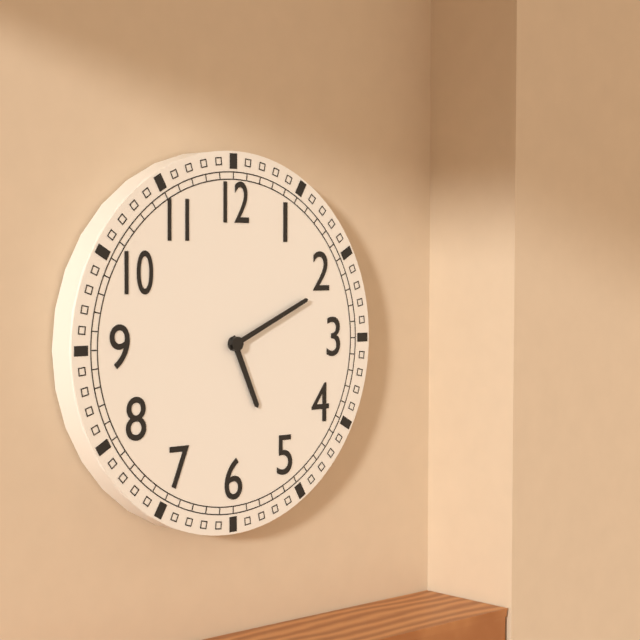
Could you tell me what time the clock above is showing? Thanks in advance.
5:11
